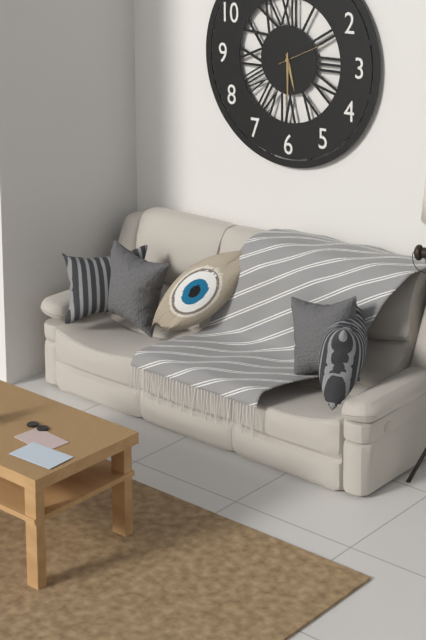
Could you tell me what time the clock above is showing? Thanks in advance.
5:30
